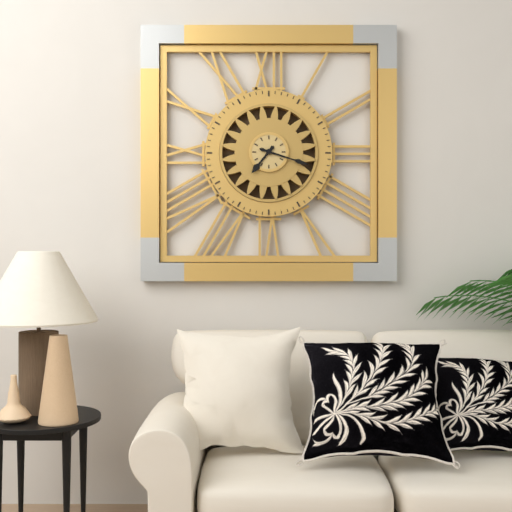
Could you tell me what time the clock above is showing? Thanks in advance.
7:18
